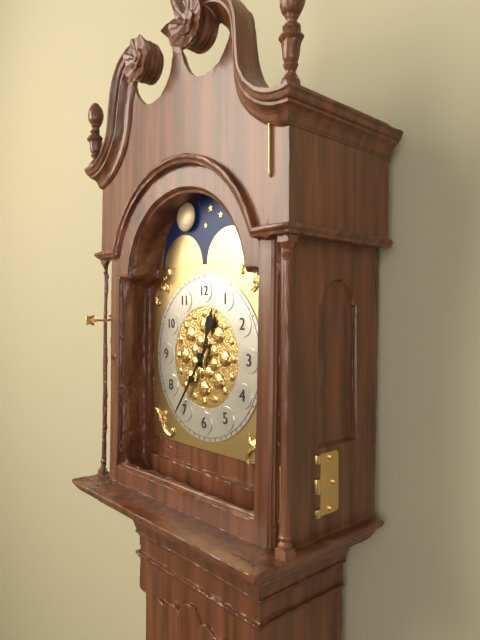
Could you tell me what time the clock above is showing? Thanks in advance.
12:36
